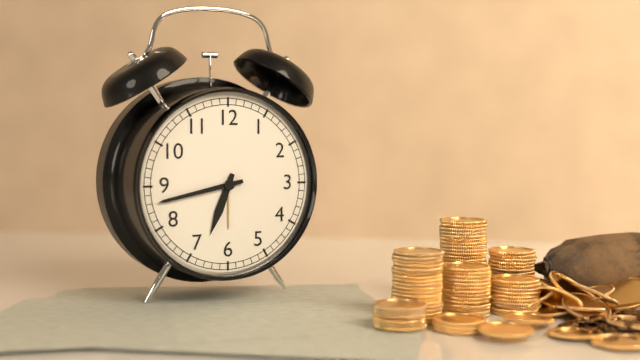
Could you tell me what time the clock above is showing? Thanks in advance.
6:43
